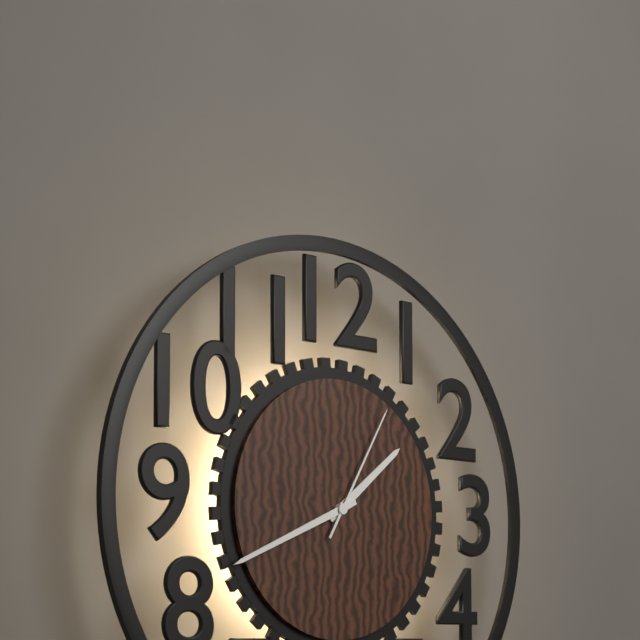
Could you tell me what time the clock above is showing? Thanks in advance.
1:41:05
